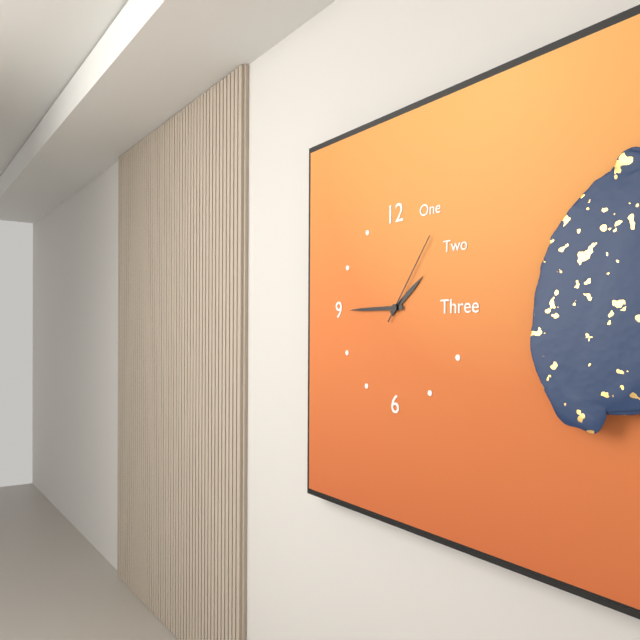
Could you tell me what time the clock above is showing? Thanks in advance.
1:45:06
